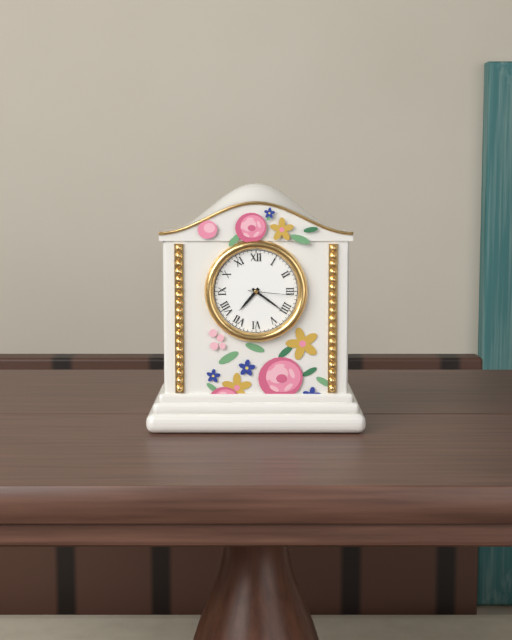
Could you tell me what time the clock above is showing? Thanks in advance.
7:21
